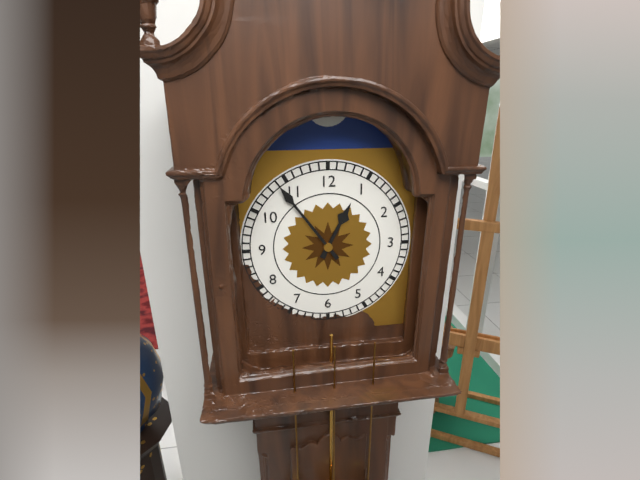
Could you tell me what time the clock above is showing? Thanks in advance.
12:54
